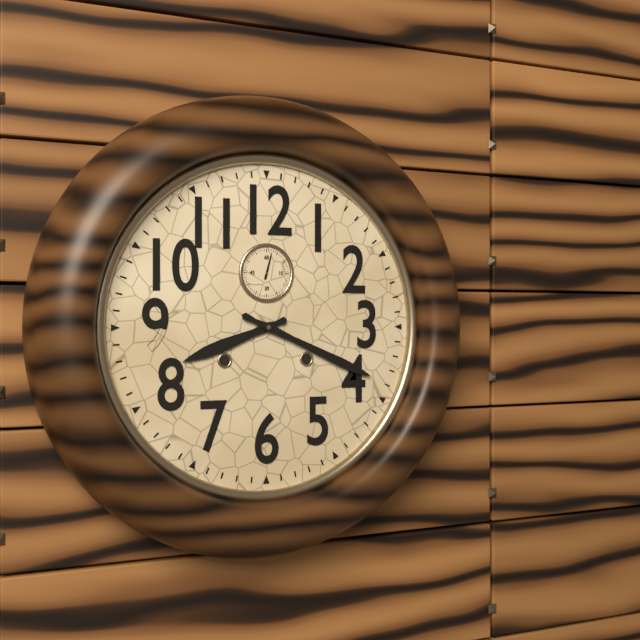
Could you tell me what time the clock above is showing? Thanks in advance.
8:19
